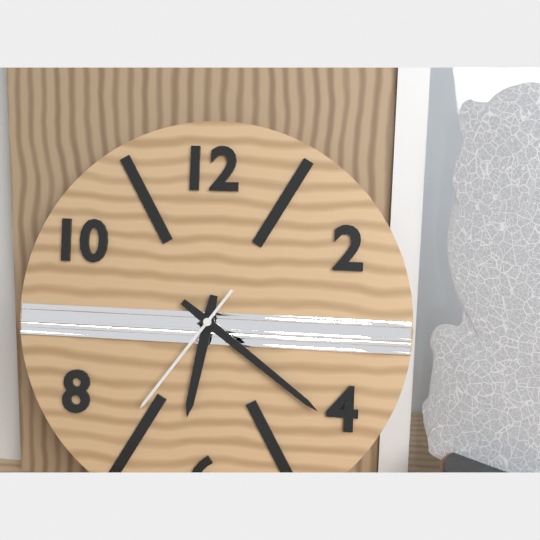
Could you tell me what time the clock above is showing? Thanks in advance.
6:21:36
